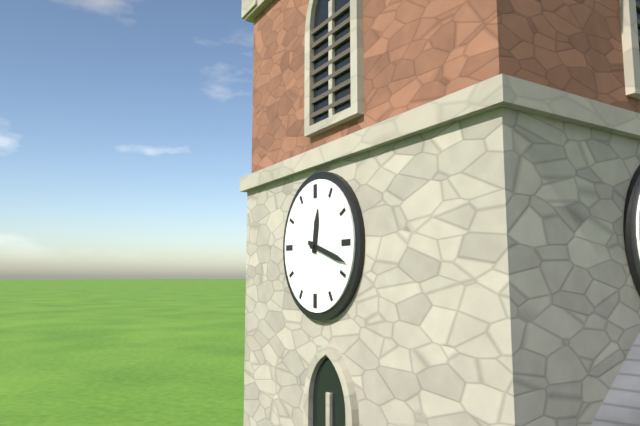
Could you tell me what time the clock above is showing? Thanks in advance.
12:18
